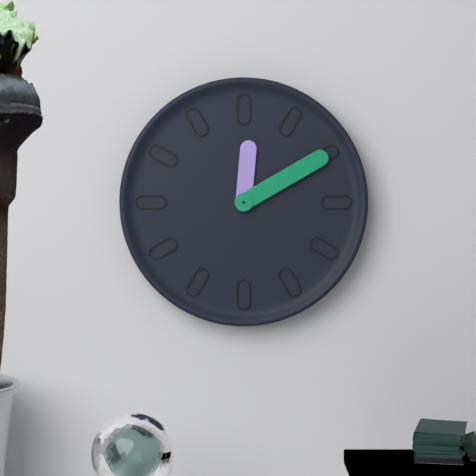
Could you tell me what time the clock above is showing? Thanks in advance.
12:10
